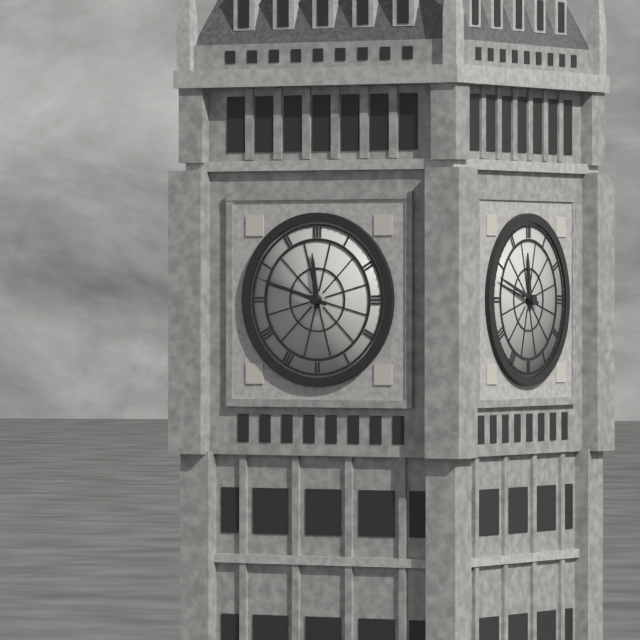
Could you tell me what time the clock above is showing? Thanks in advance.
11:48
